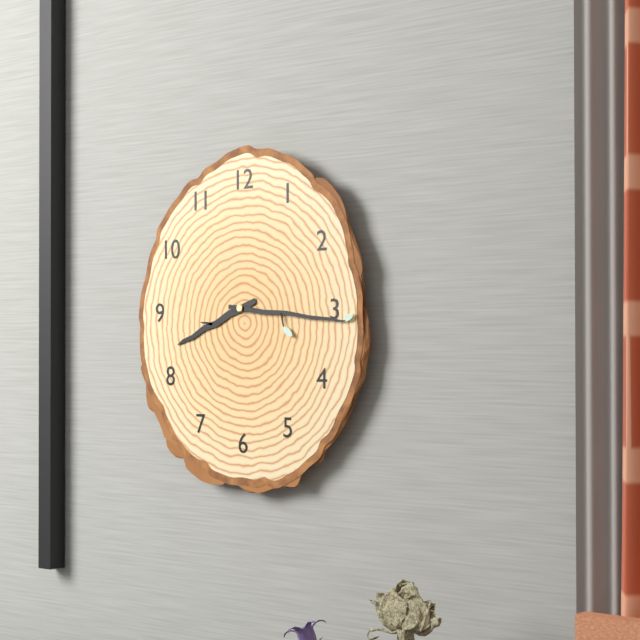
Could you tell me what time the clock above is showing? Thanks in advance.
8:16
